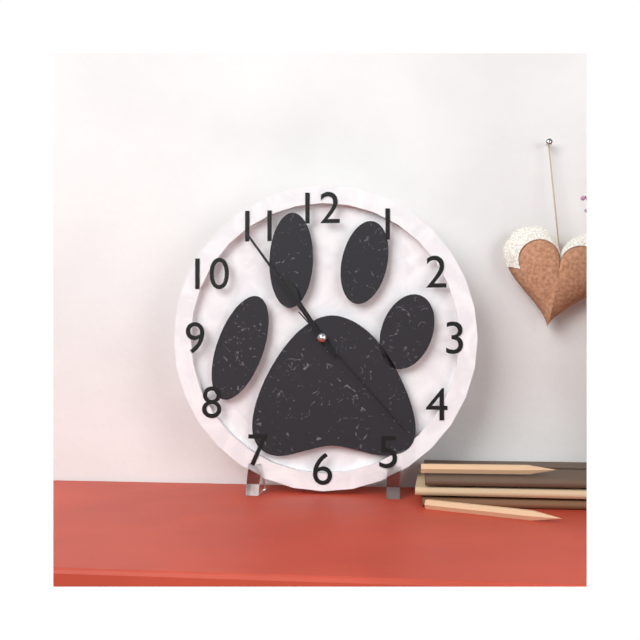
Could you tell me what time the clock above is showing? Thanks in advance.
10:54:23
